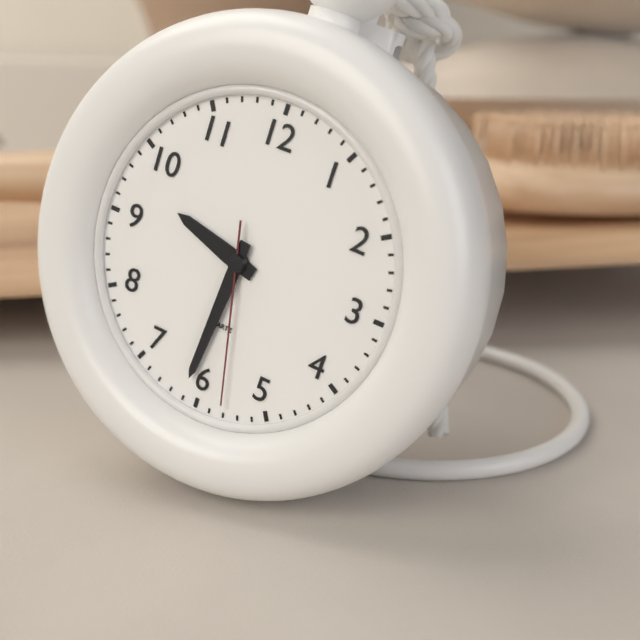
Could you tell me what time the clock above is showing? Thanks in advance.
9:31:28
